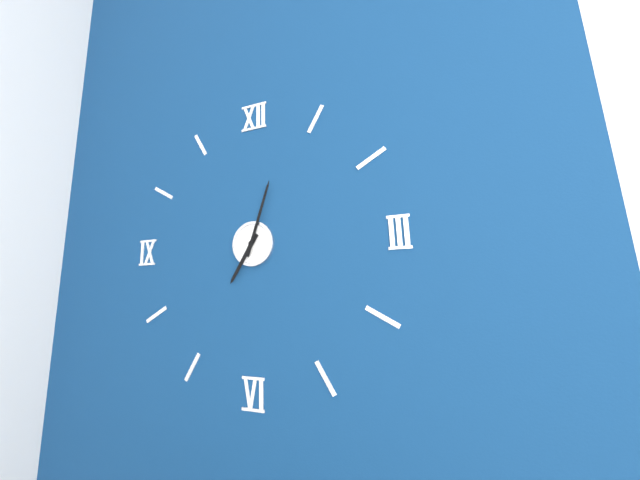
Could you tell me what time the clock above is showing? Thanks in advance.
7:03
